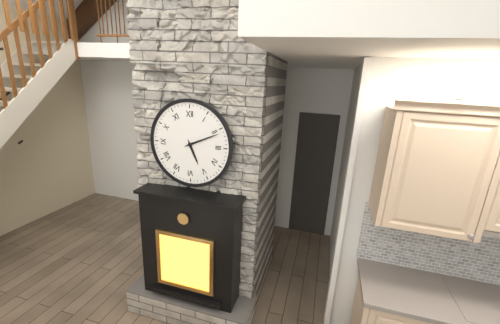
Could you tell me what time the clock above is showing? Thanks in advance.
5:11
